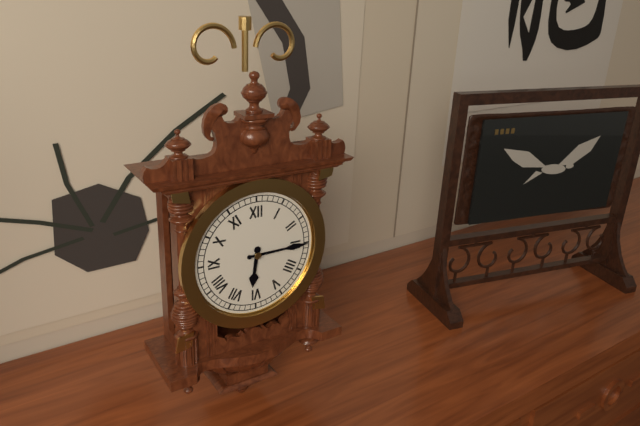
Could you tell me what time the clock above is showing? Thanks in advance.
6:15
